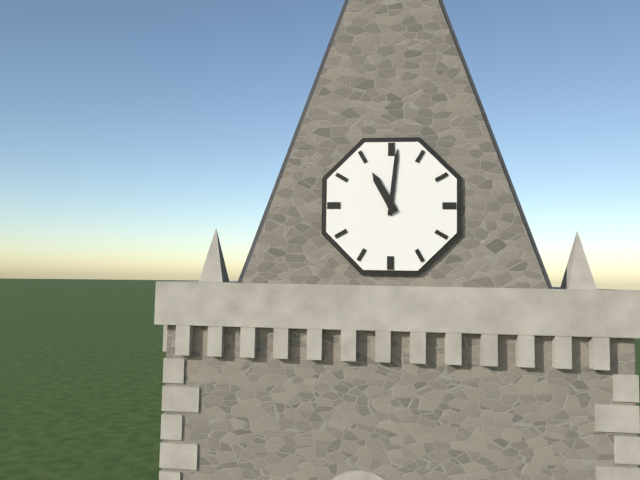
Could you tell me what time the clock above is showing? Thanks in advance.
11:01
